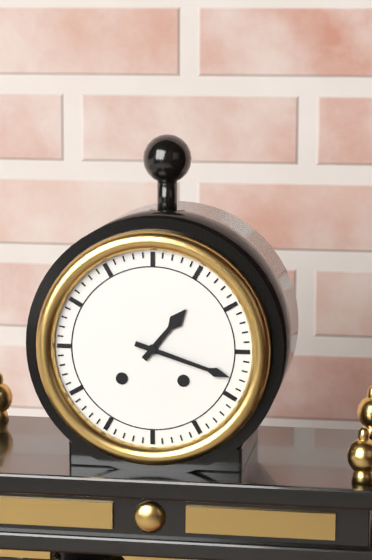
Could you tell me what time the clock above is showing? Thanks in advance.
1:18
